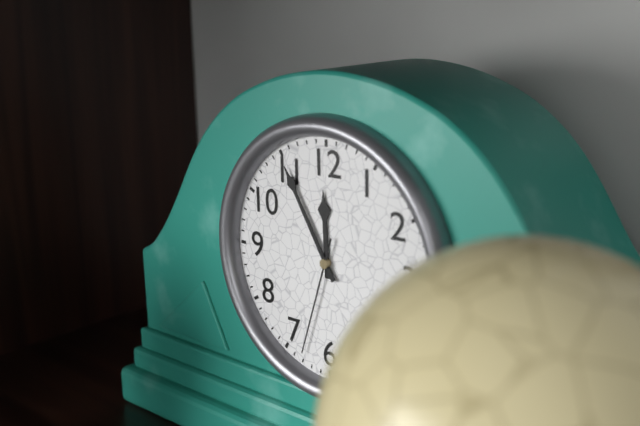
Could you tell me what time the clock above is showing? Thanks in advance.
11:55:33
